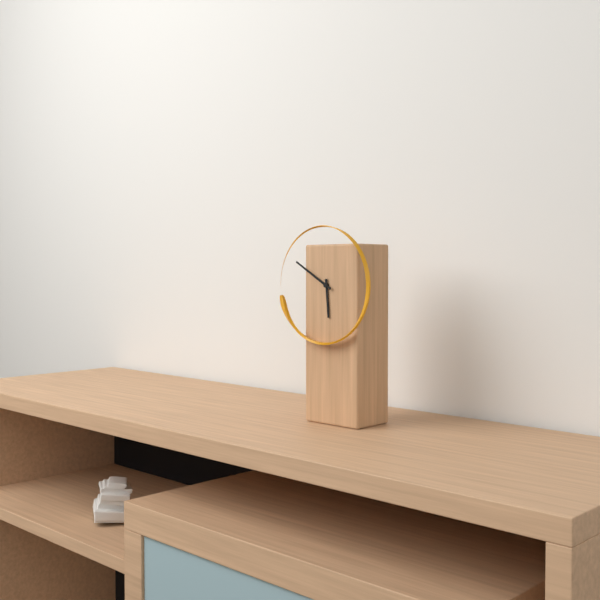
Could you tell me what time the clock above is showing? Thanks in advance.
5:50
